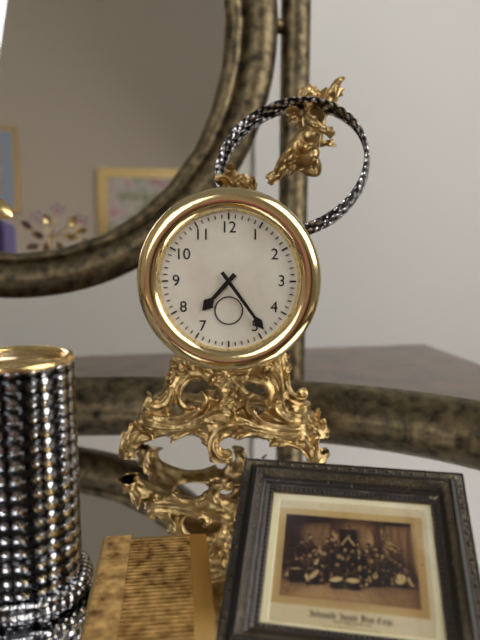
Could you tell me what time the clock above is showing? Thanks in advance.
7:24
